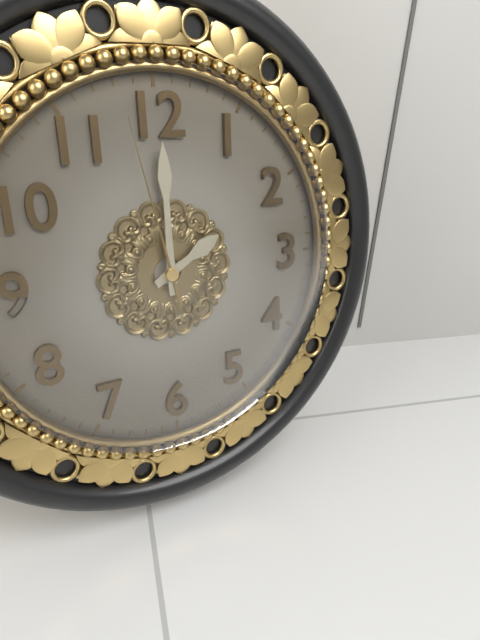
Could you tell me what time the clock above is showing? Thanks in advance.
2:00:58
